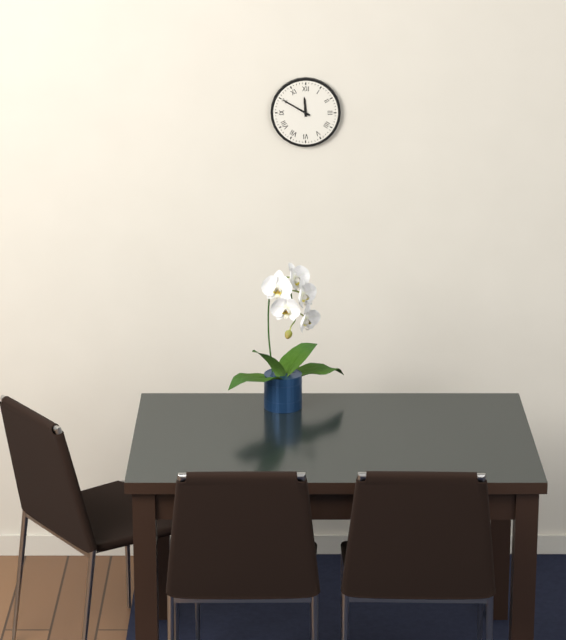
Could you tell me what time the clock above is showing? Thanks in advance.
11:50
